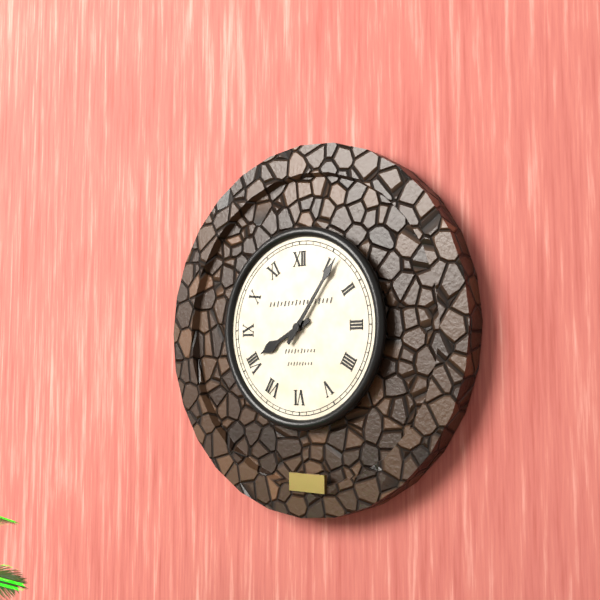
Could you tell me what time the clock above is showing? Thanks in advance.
8:06
